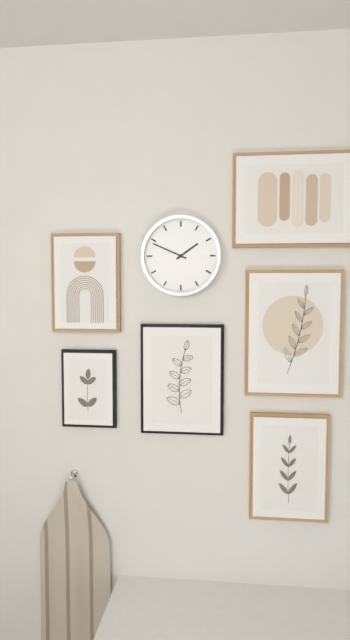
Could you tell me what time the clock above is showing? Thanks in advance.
1:49
